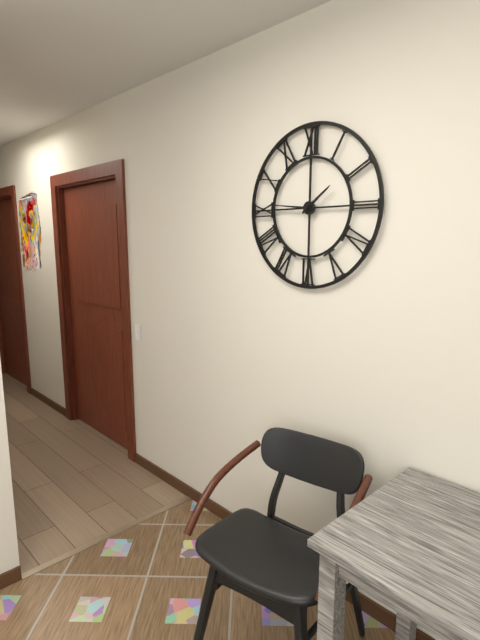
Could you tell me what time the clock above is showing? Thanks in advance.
1:46
